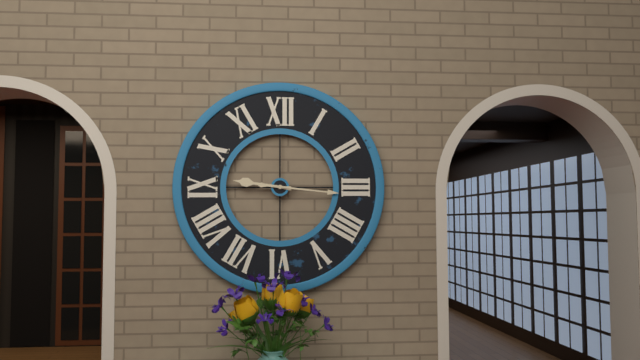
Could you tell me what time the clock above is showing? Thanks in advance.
9:16
